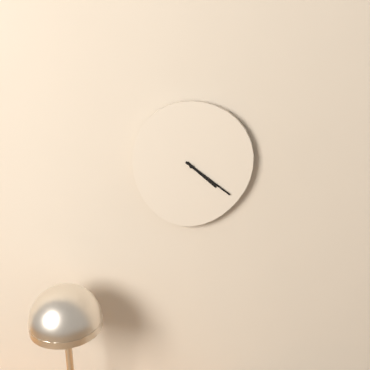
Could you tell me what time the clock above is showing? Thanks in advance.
4:21
